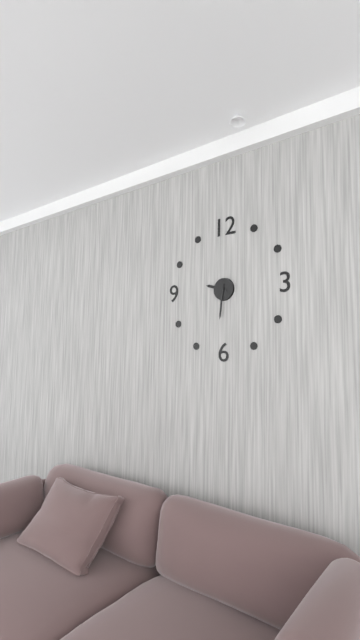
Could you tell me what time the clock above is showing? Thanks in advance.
9:31
